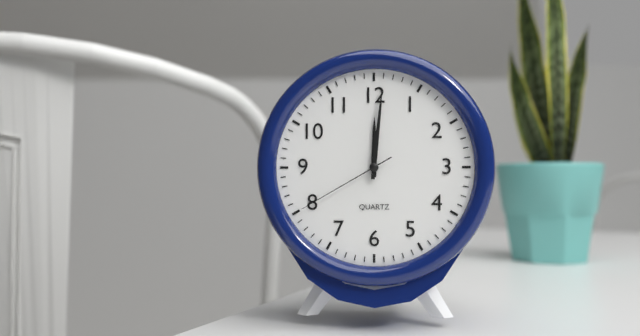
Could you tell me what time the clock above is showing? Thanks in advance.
12:01:40
